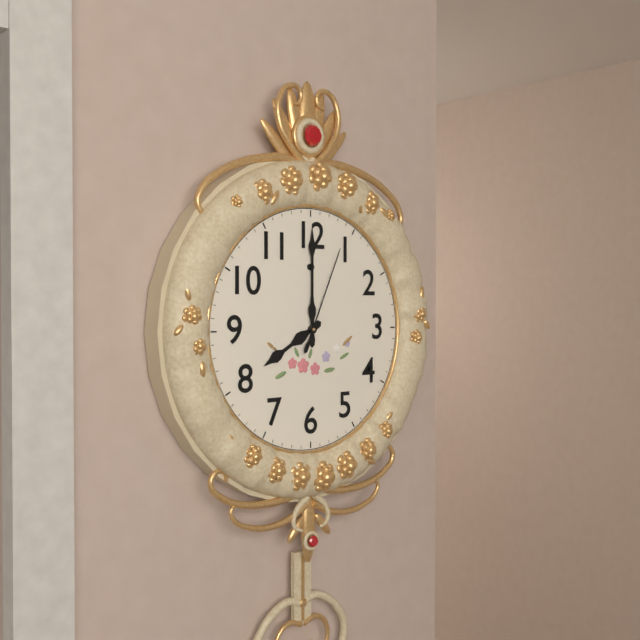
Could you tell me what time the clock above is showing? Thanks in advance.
8:00:04
